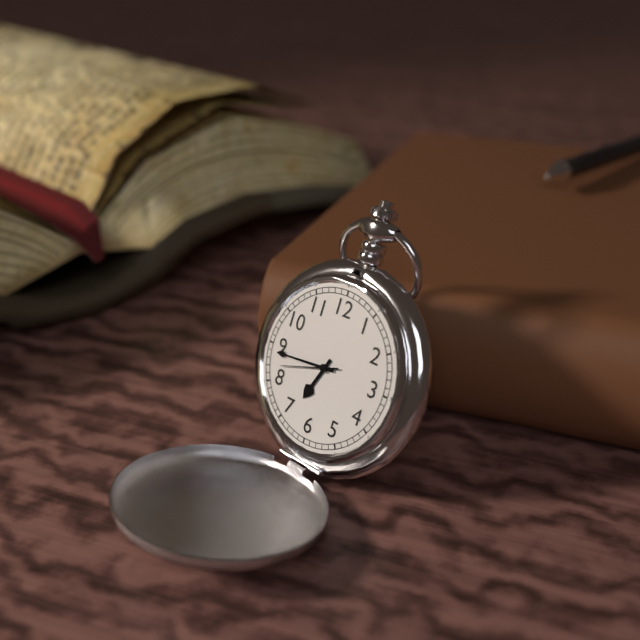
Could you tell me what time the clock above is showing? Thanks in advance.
6:44:42
